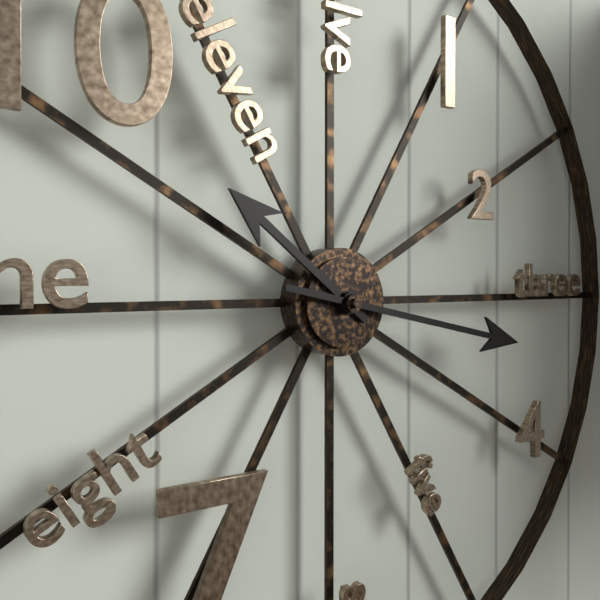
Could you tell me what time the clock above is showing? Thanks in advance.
10:17
